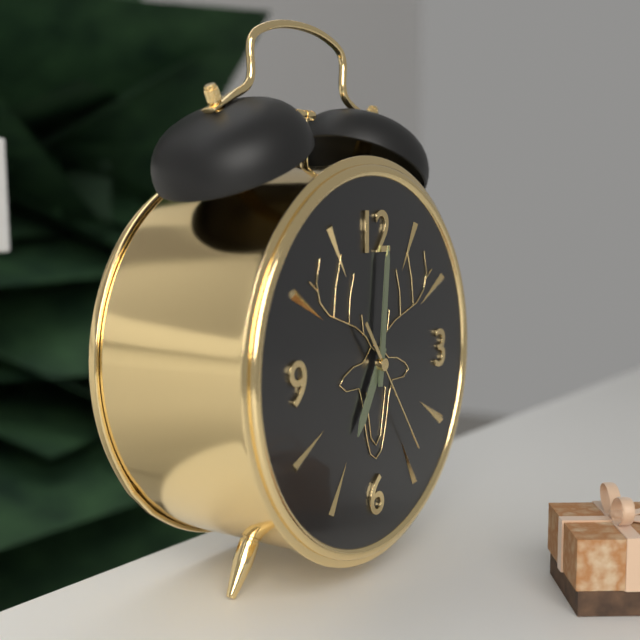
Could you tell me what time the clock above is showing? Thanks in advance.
7:01:24
